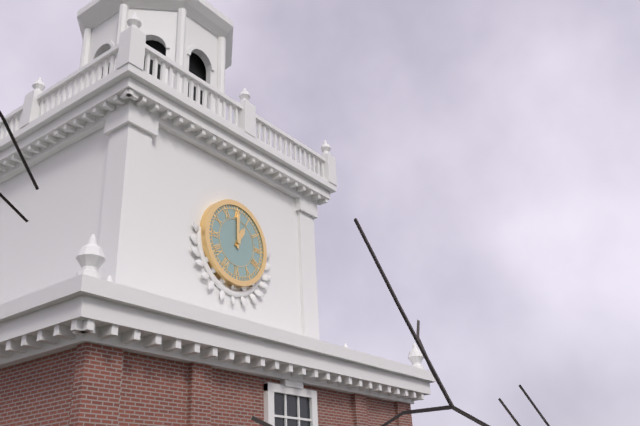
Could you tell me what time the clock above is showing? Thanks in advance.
1:00
